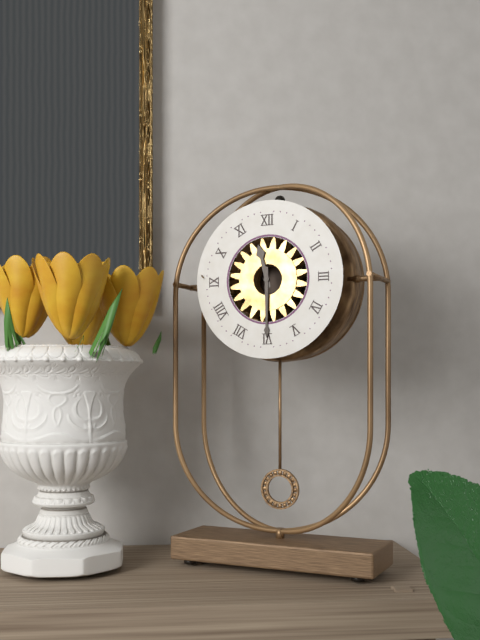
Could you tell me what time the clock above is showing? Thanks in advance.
11:30
